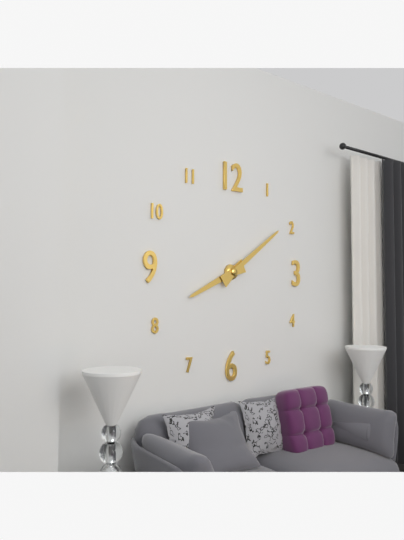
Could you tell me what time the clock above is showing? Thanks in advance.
8:09
